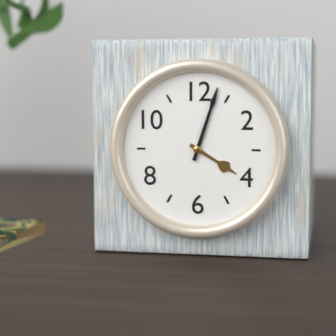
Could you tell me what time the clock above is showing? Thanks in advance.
4:03
